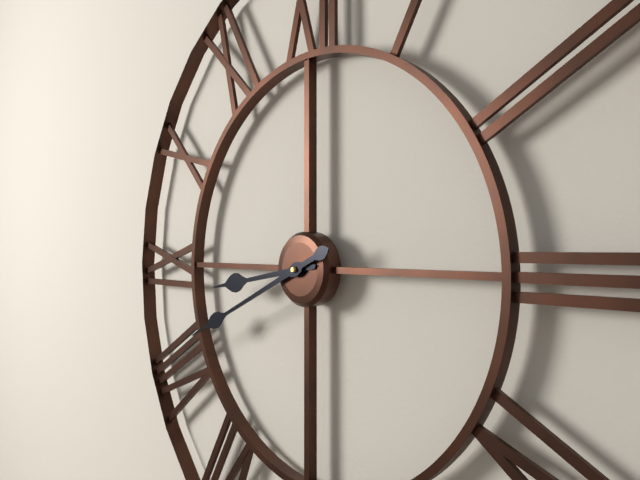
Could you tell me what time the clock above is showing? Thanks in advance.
8:41
